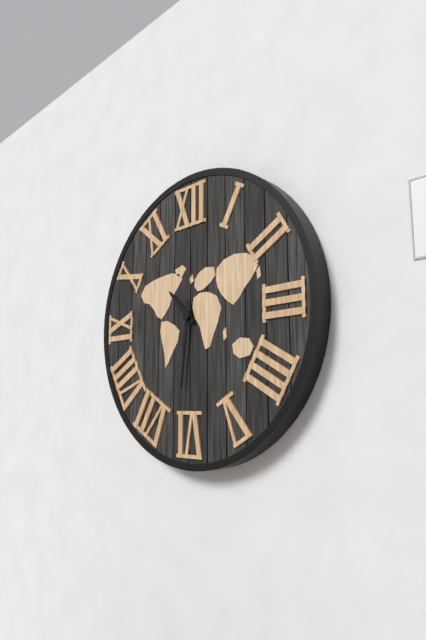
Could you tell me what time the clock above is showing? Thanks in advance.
10:31
